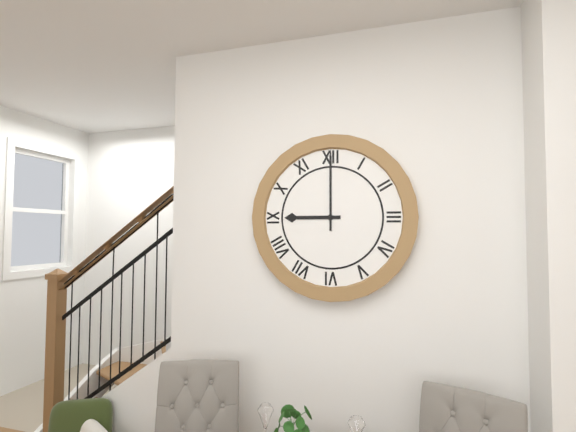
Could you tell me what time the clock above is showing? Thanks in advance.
9:00
